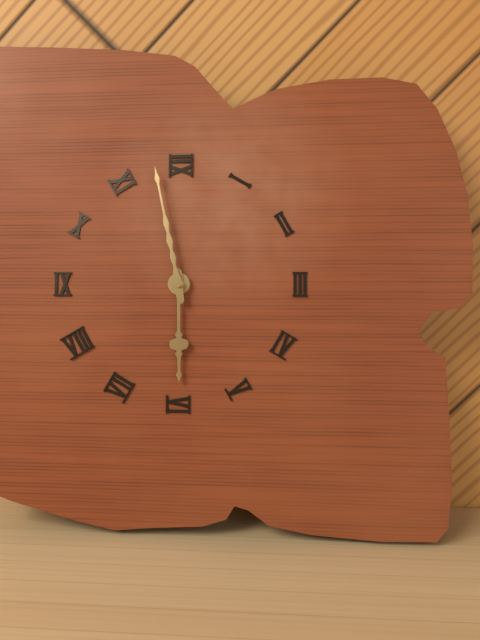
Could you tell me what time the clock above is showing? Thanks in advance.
5:58
